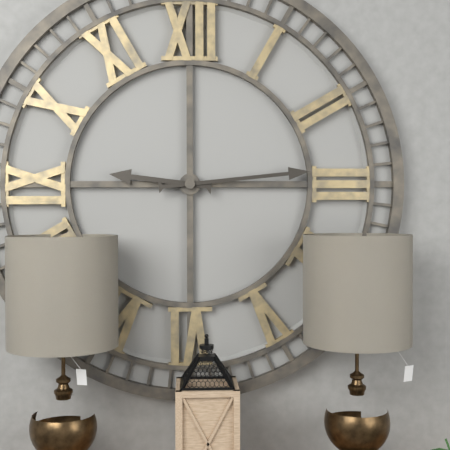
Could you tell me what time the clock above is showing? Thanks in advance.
9:14
